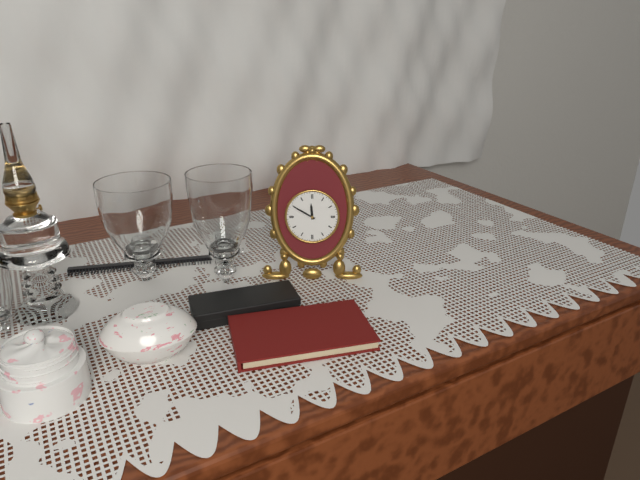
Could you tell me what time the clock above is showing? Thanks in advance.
11:50
